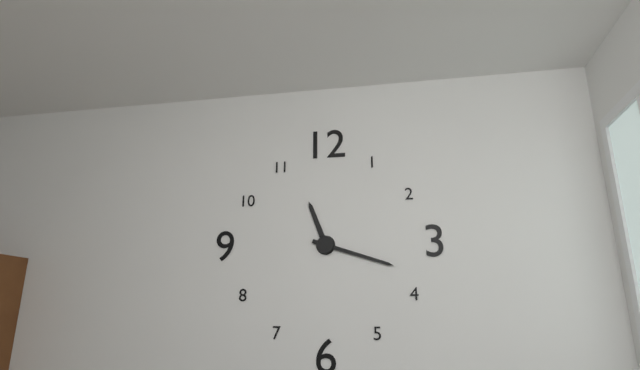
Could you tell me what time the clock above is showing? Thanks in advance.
11:18
